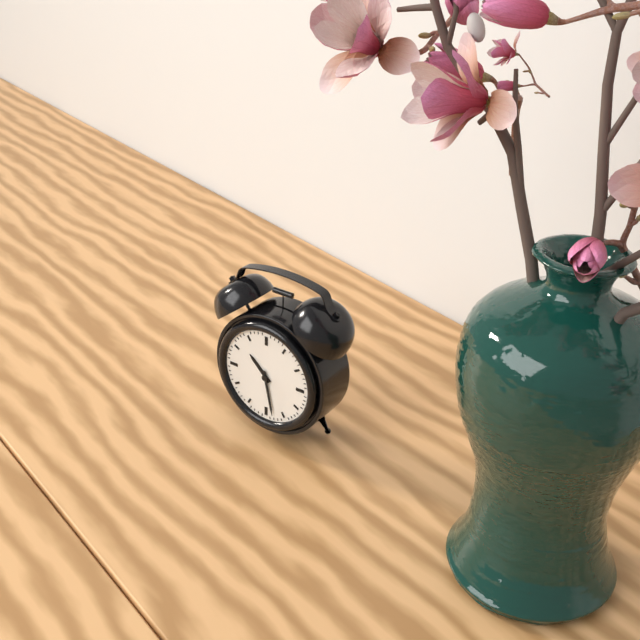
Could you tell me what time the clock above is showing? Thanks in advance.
10:28
